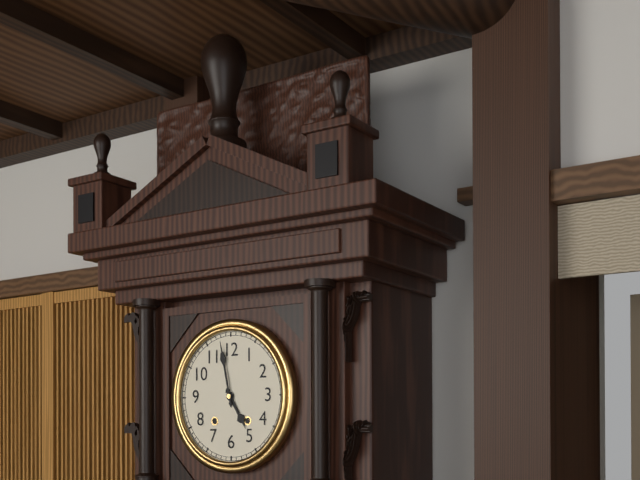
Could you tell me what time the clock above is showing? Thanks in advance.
4:58
